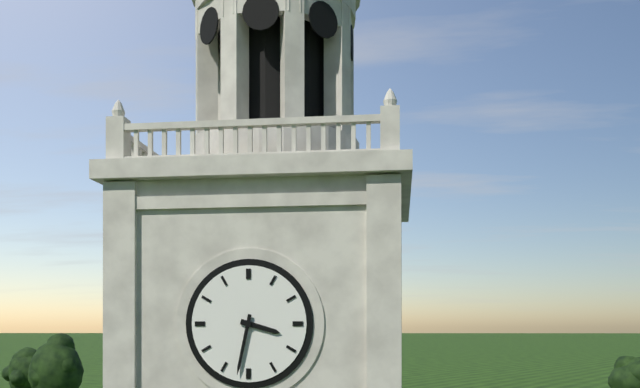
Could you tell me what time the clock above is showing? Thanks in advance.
3:32
